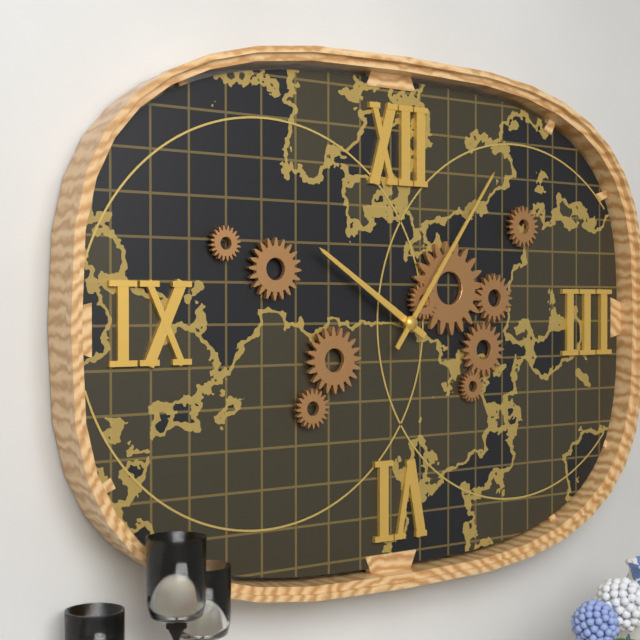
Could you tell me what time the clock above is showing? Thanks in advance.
10:06
